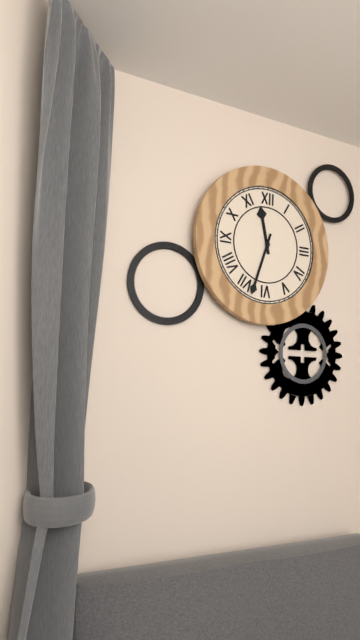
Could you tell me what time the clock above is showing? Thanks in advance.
11:33
